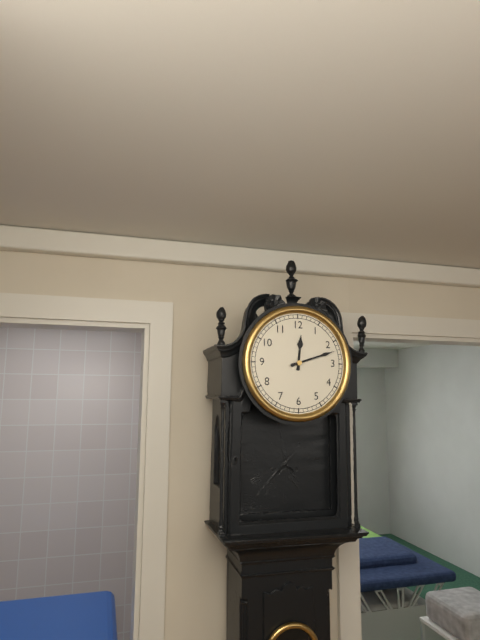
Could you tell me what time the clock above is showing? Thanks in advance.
12:12
